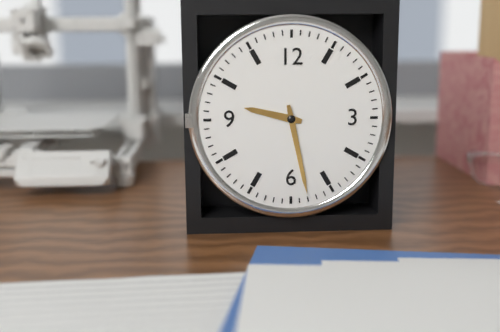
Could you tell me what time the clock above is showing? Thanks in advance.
9:28
